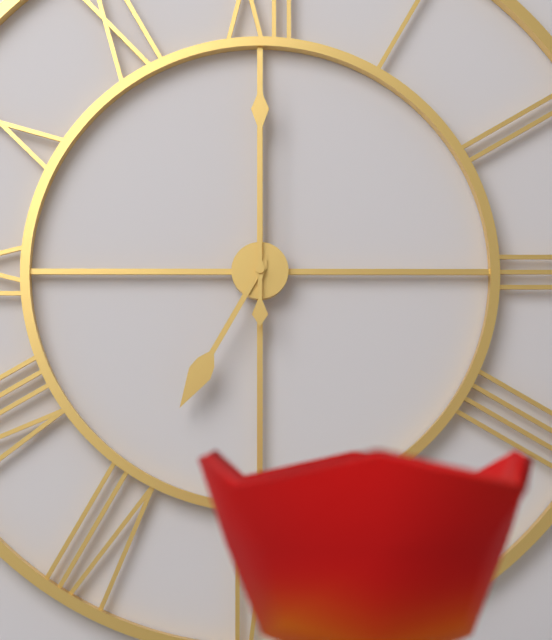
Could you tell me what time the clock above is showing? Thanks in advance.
7:00
